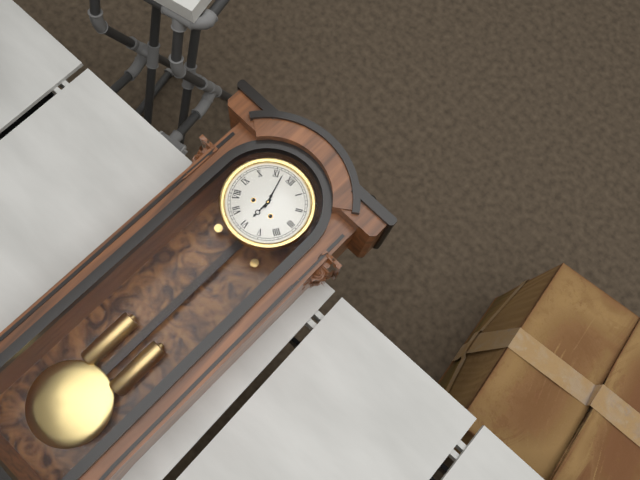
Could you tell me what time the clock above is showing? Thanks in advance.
5:57
